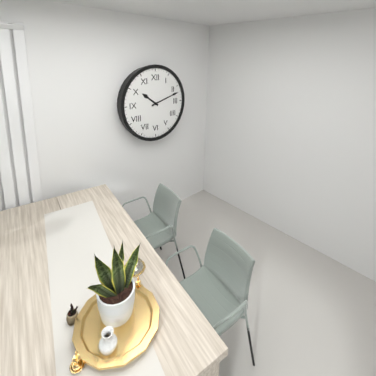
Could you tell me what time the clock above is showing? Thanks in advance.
10:12
